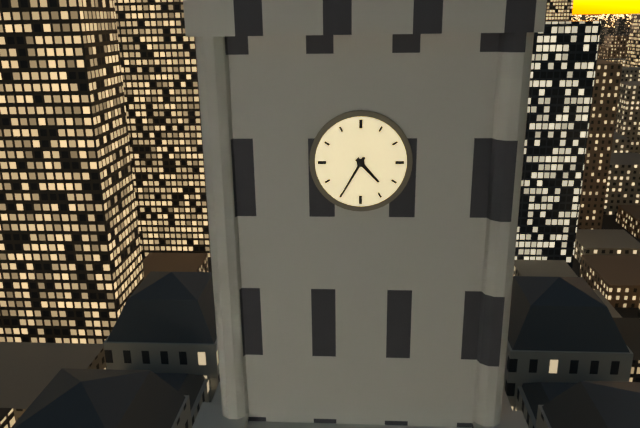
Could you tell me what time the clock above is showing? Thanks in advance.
4:35
